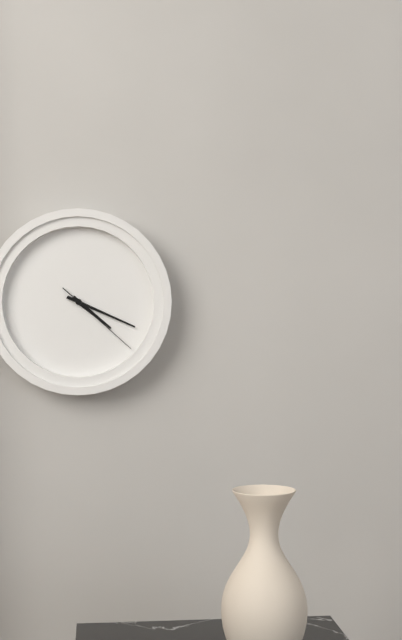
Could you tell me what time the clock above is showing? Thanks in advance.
4:19:22
